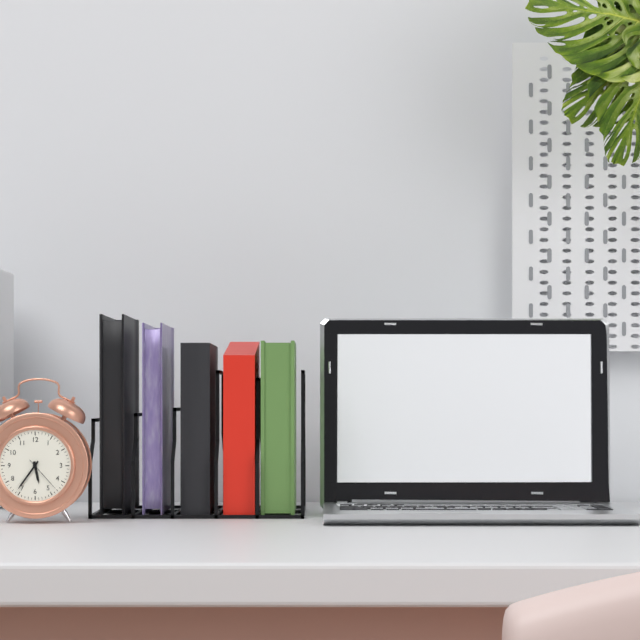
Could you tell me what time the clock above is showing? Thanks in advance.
5:36
